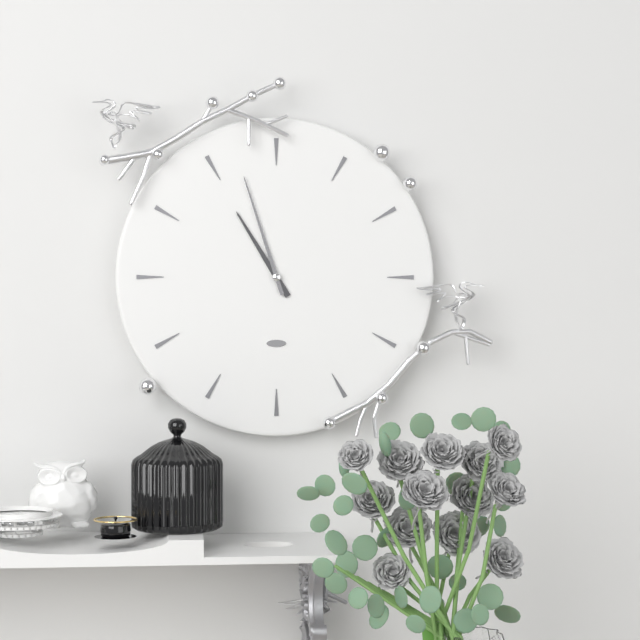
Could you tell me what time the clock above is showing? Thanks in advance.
10:57
